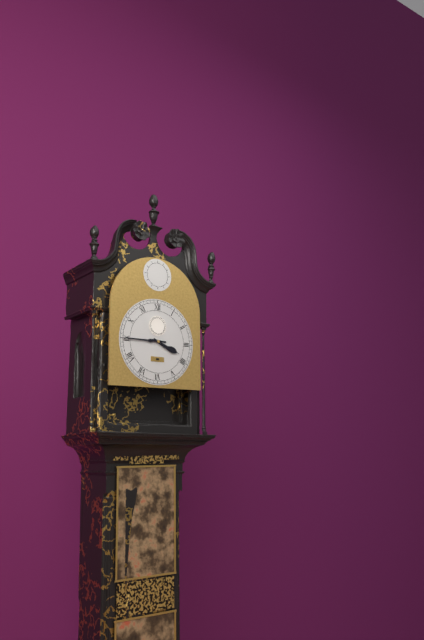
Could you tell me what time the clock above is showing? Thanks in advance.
3:45
